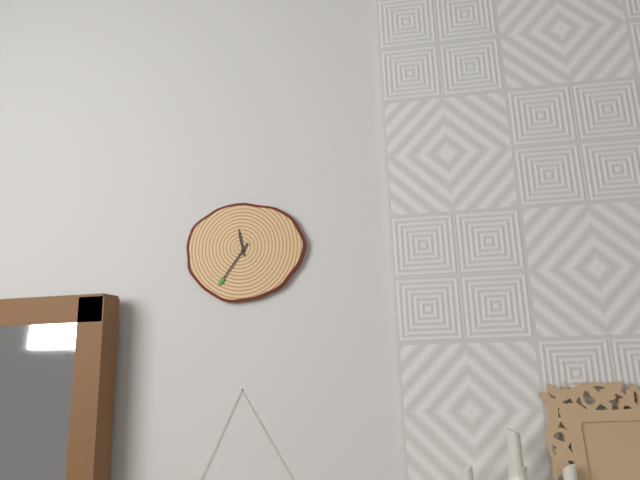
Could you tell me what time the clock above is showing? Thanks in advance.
11:36
